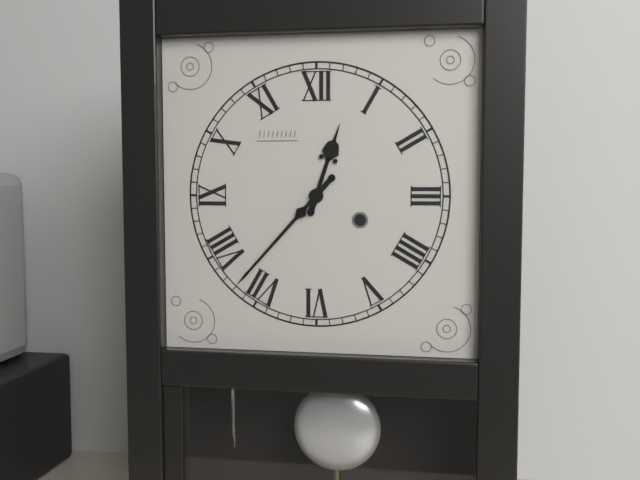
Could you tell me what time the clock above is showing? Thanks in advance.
12:37
